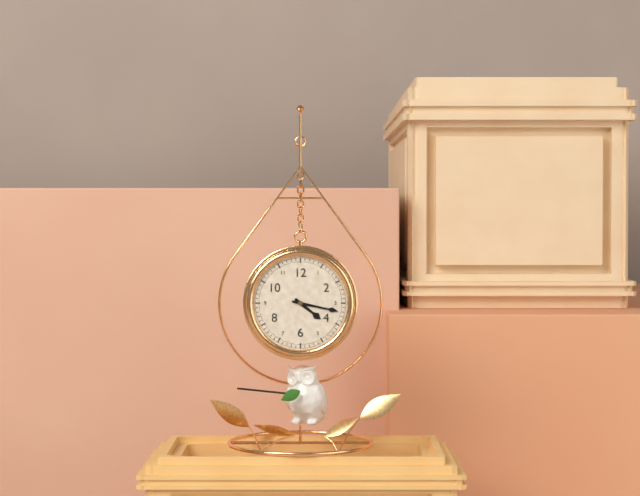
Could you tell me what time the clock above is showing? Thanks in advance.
4:17
